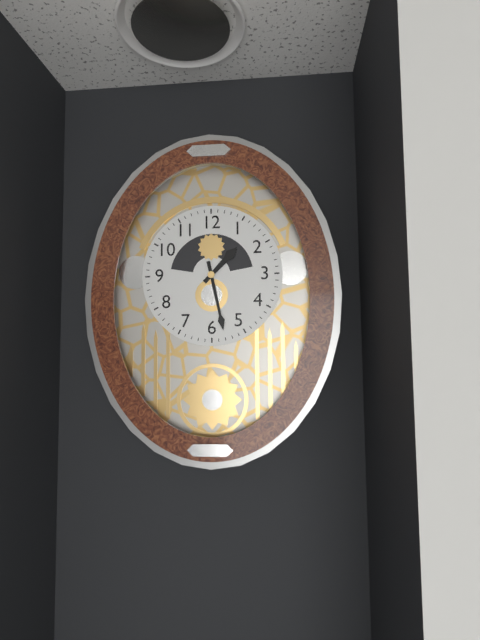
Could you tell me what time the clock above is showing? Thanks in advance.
1:28
